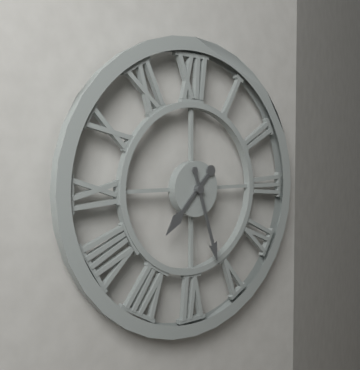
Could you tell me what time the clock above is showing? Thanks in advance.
7:27
